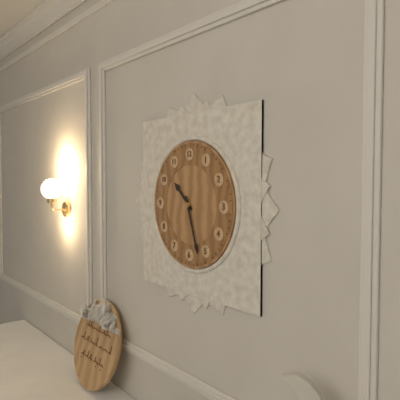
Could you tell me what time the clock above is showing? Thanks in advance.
10:27
